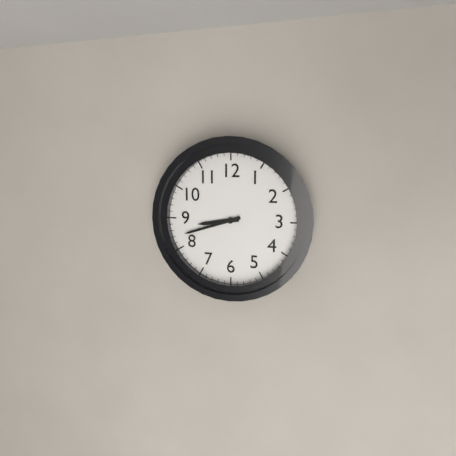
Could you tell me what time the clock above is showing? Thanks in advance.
8:42
